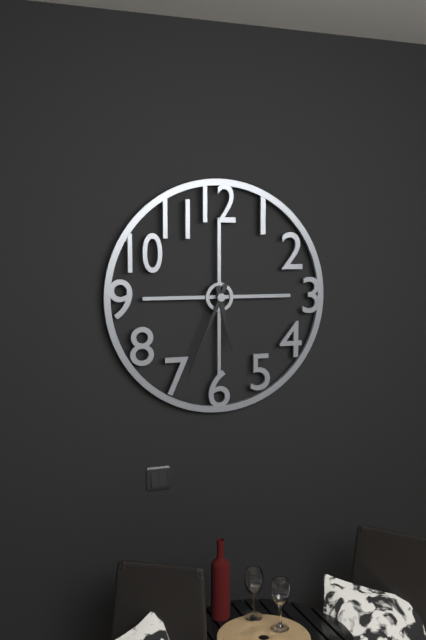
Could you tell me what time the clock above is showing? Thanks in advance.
5:34
